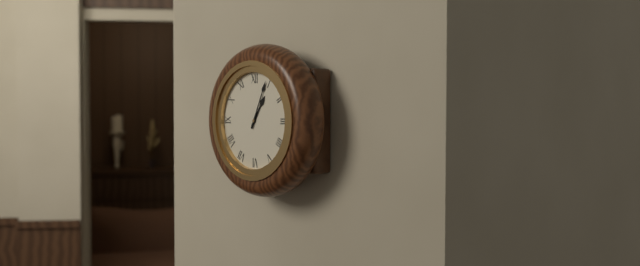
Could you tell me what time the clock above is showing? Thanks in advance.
1:04
